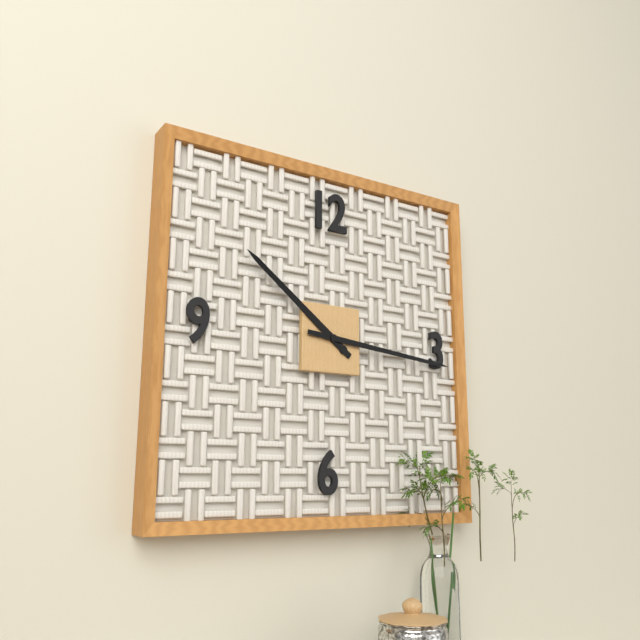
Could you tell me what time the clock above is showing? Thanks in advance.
10:16
